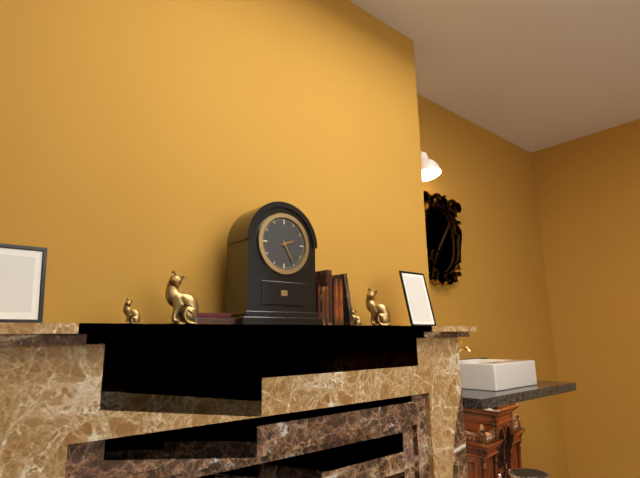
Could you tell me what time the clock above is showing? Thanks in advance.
2:25
